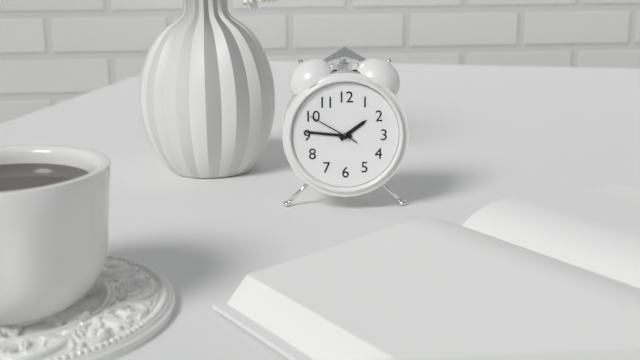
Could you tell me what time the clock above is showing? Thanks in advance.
1:46:50
